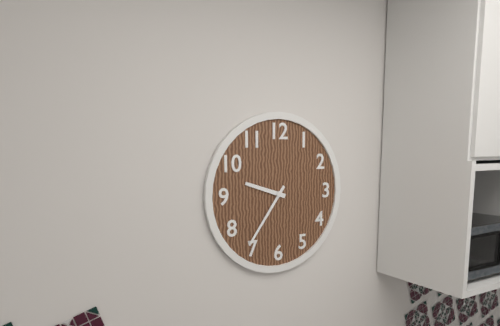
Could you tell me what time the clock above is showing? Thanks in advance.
9:36
